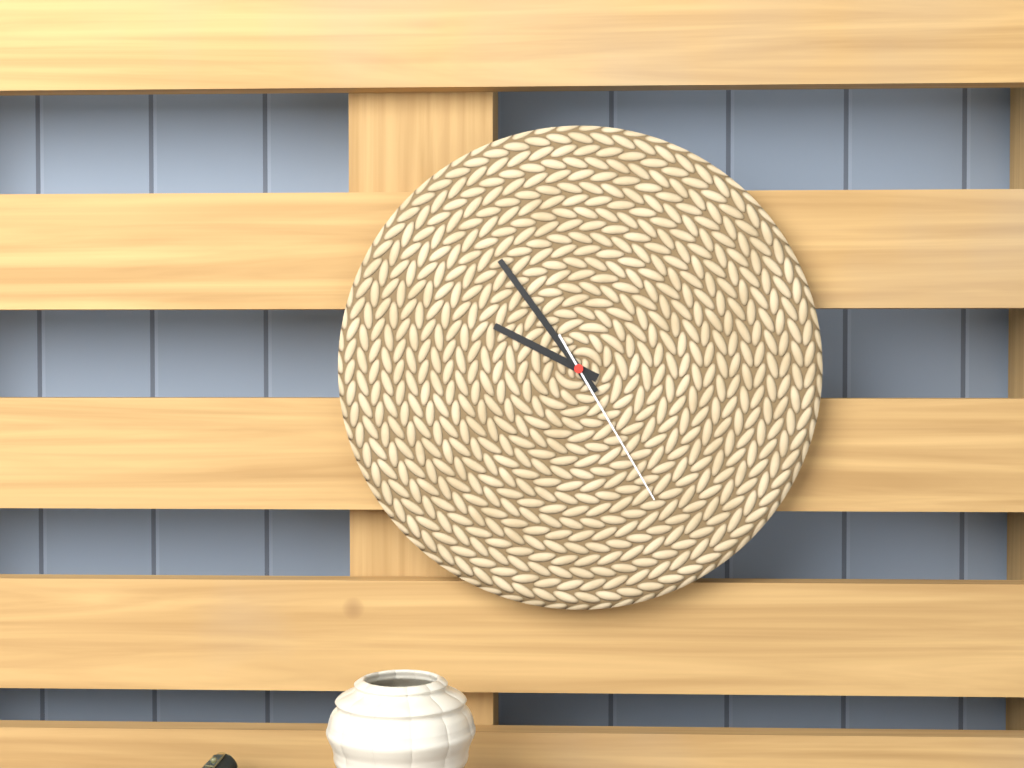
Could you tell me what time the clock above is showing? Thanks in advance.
9:54:25
